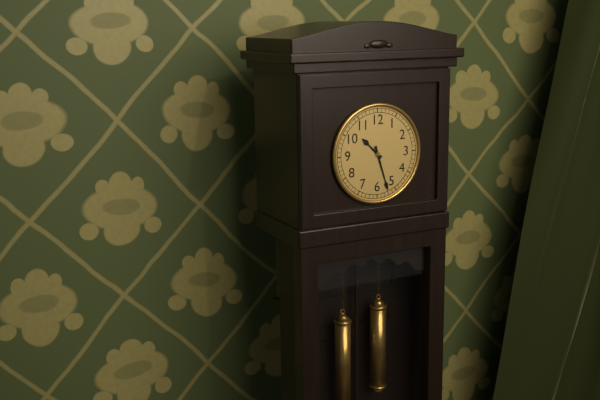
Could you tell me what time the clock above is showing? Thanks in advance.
10:27
